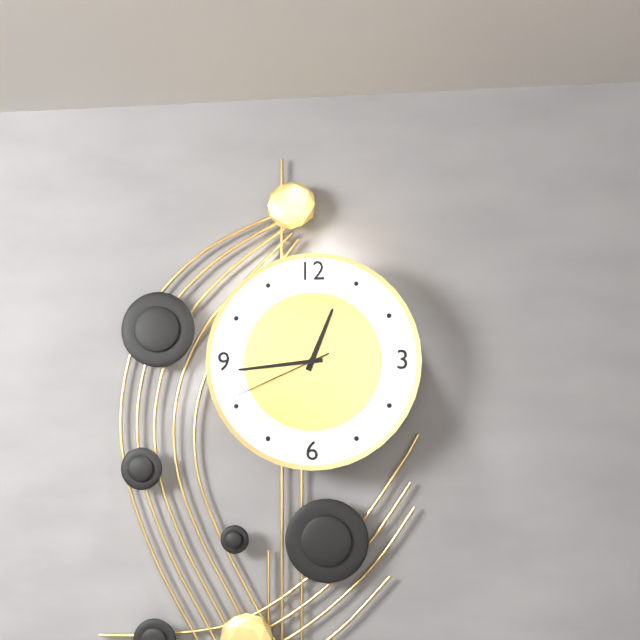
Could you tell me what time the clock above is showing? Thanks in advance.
12:44:41
